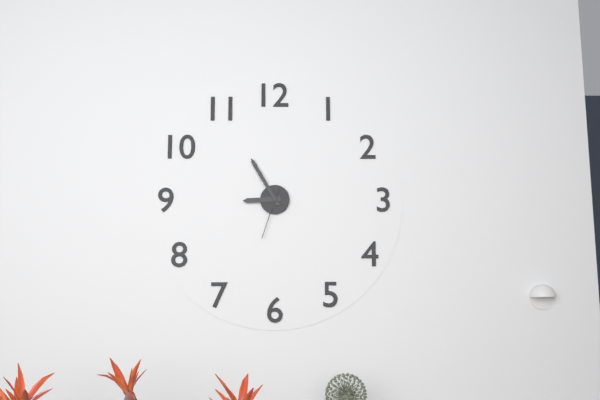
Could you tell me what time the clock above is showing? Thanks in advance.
8:55:33
